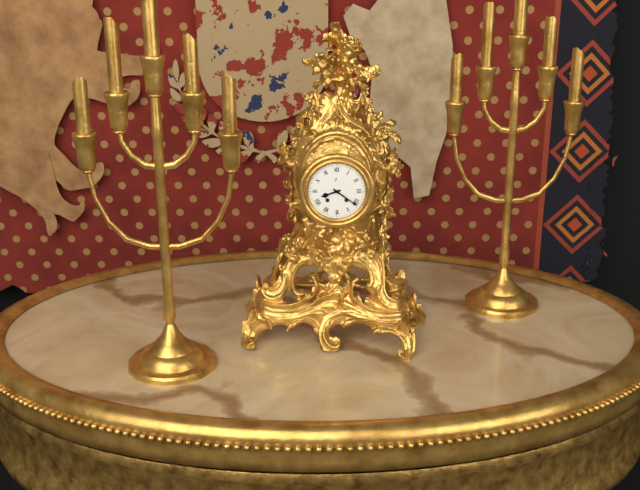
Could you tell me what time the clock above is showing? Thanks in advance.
8:21
